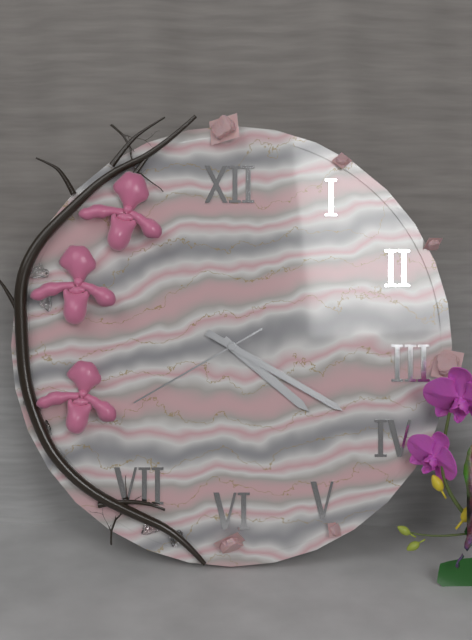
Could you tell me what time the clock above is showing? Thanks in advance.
4:20:40
